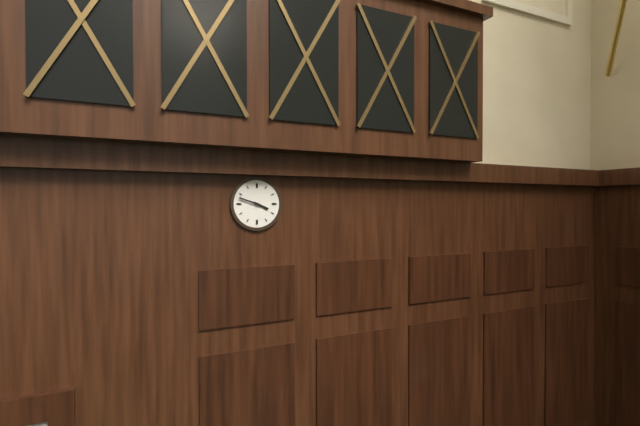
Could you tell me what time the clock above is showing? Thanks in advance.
3:48
